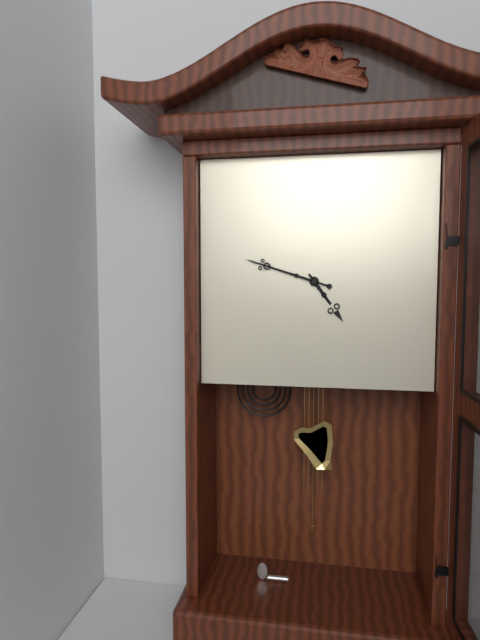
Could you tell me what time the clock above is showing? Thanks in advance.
4:48
